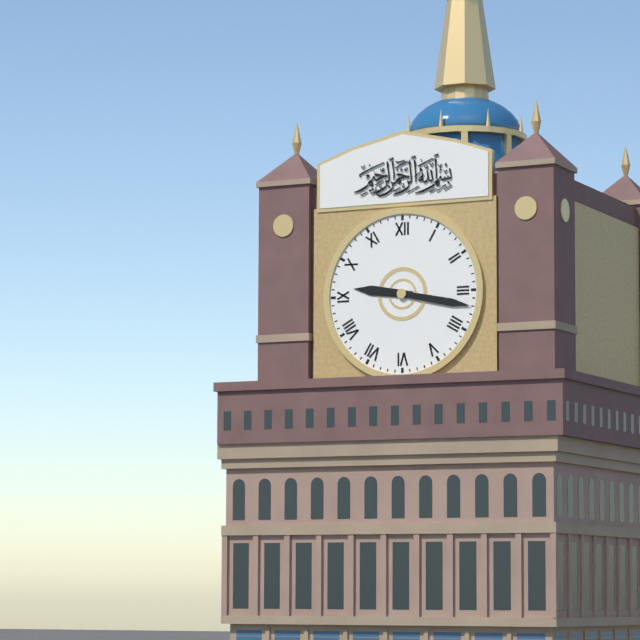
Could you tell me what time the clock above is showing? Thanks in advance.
9:17
